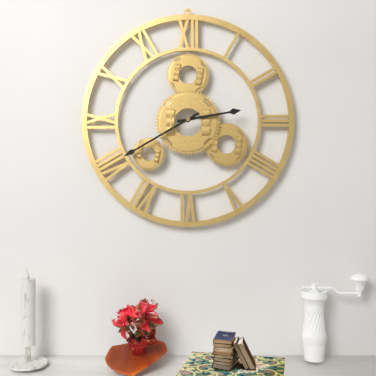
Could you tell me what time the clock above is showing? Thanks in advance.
2:40
